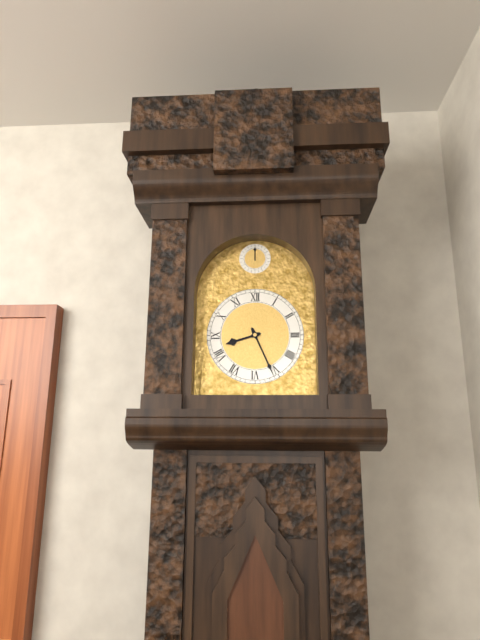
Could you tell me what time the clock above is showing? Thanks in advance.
8:26
